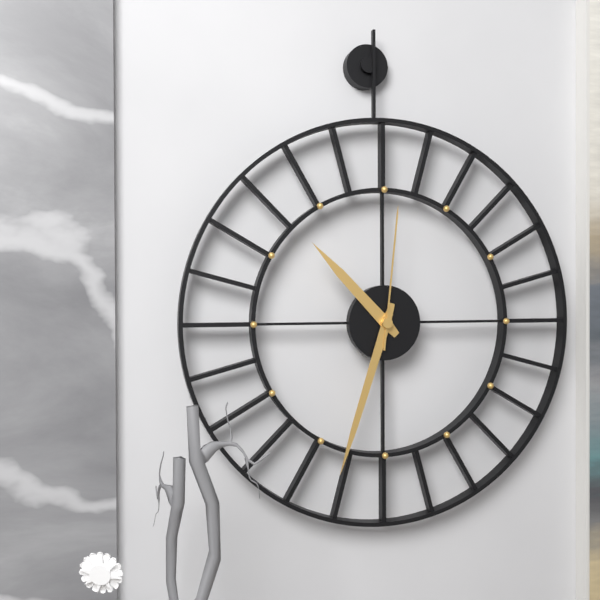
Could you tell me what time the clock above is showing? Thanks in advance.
10:33:01
